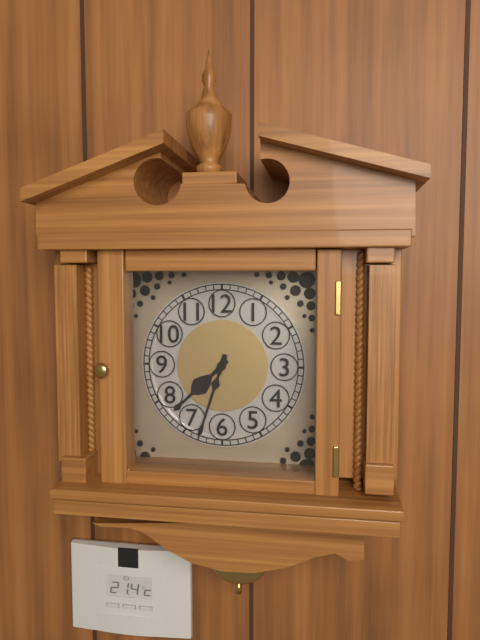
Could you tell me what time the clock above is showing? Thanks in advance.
7:33
